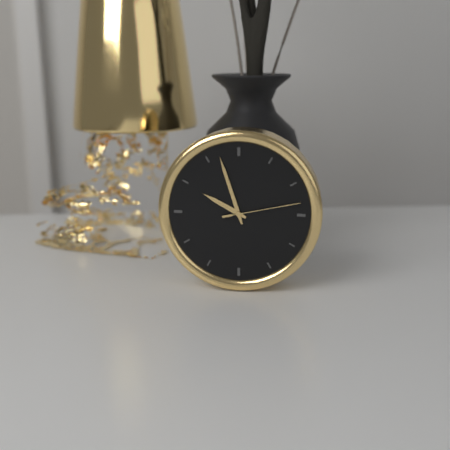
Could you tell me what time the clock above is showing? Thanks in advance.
9:57:13
